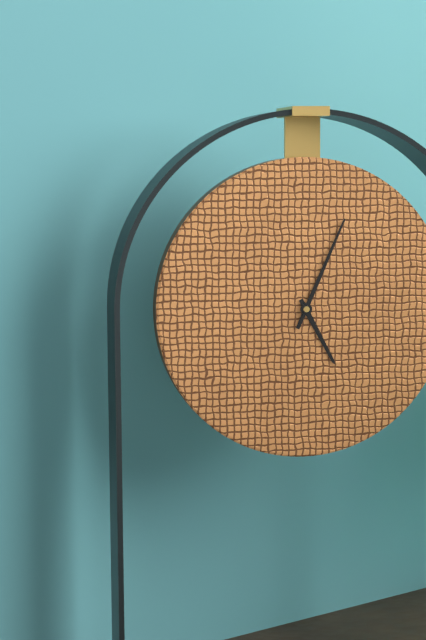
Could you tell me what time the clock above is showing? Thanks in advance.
5:04
